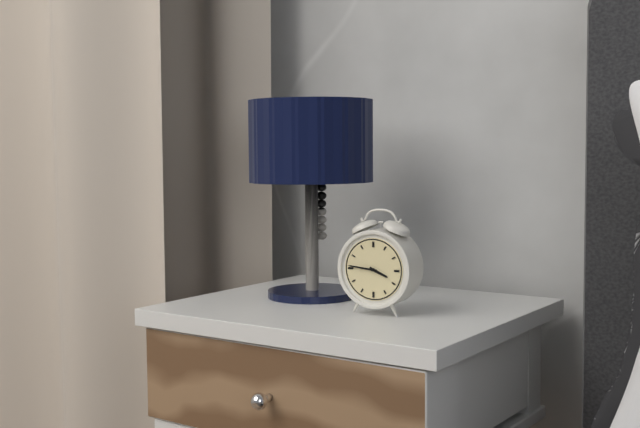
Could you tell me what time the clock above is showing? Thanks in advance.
3:46
